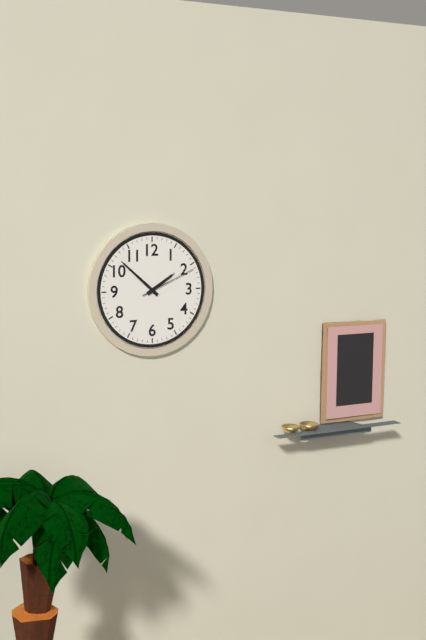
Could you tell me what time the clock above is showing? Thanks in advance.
1:52:11
